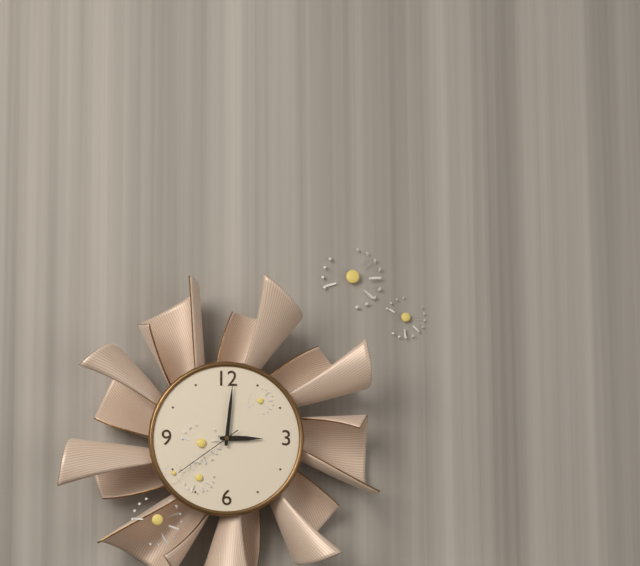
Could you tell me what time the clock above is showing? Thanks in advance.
3:01:39
